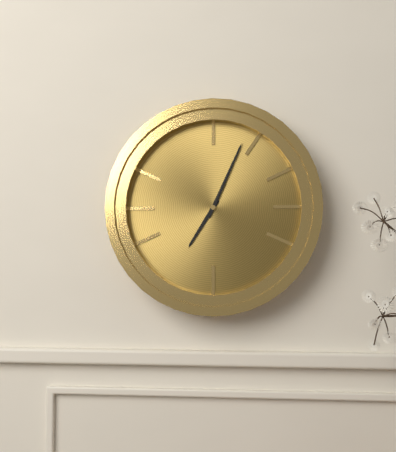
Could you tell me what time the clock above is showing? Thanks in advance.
7:04
